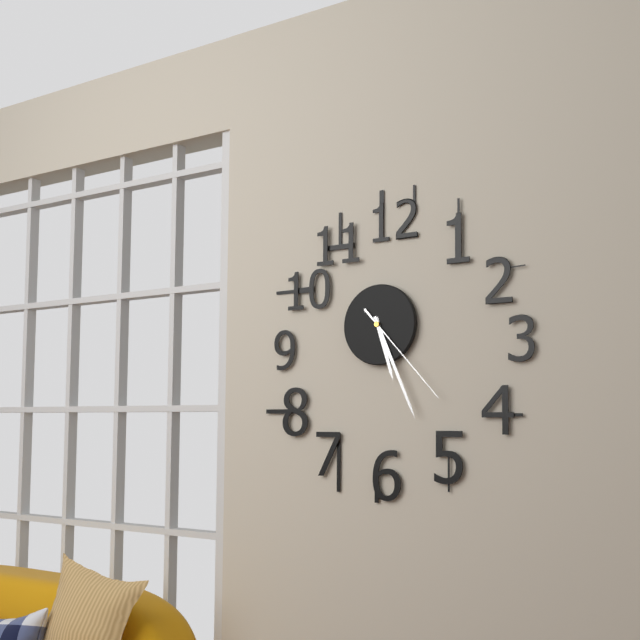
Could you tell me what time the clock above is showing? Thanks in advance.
5:26:23
